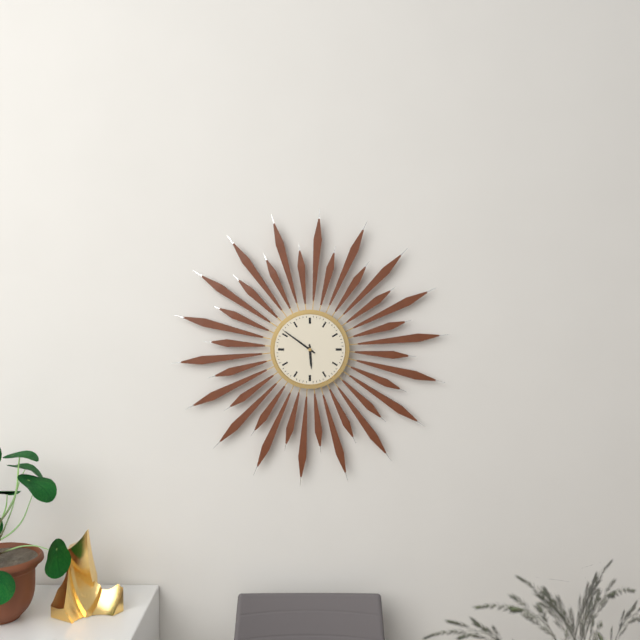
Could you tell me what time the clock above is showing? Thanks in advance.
5:51
